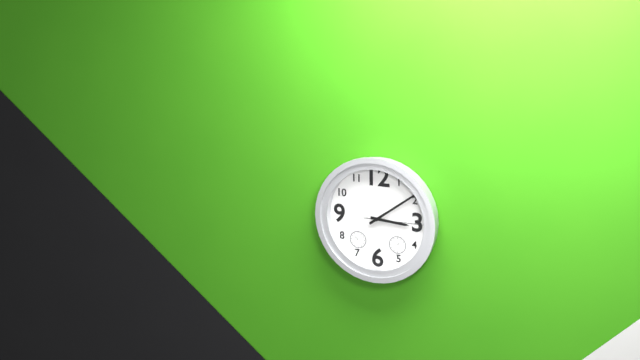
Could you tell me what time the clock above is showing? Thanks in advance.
3:09:15
